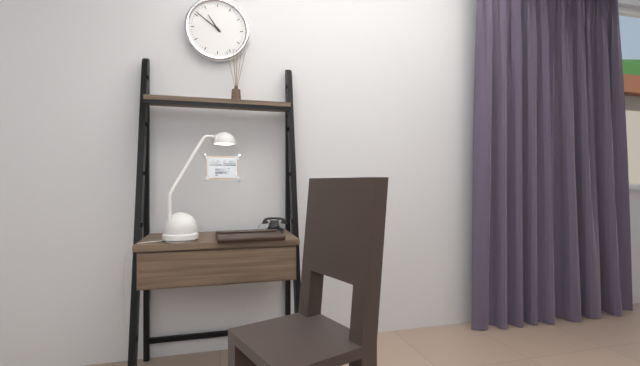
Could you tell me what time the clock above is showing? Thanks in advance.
10:51
